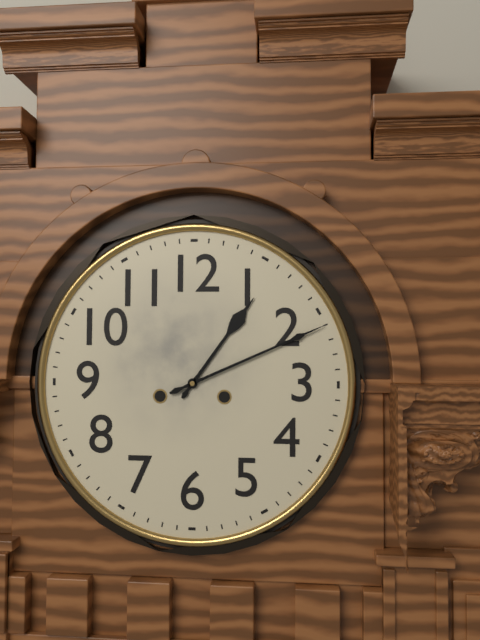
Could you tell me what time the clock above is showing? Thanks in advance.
1:11
